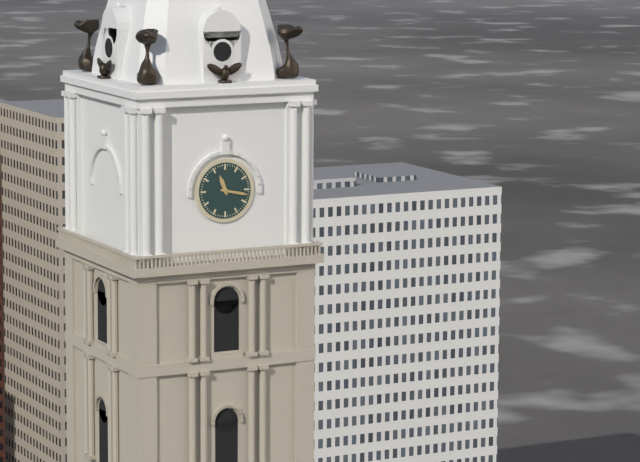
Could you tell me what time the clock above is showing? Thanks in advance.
11:17
